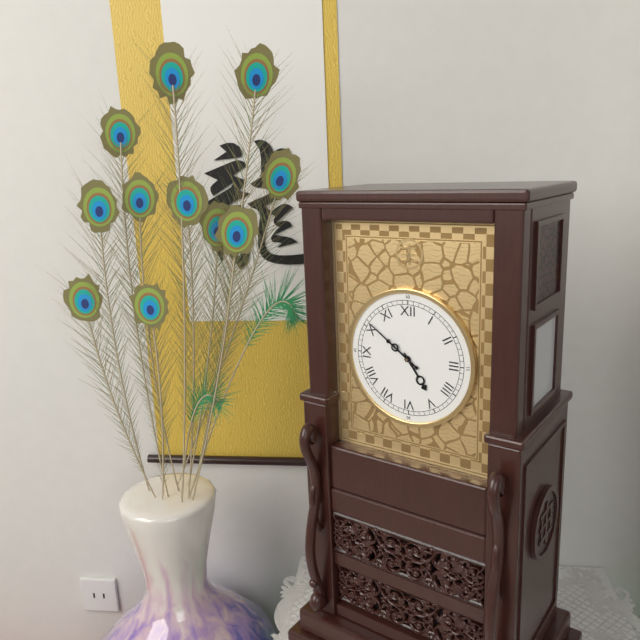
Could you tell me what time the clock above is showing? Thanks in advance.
4:51
